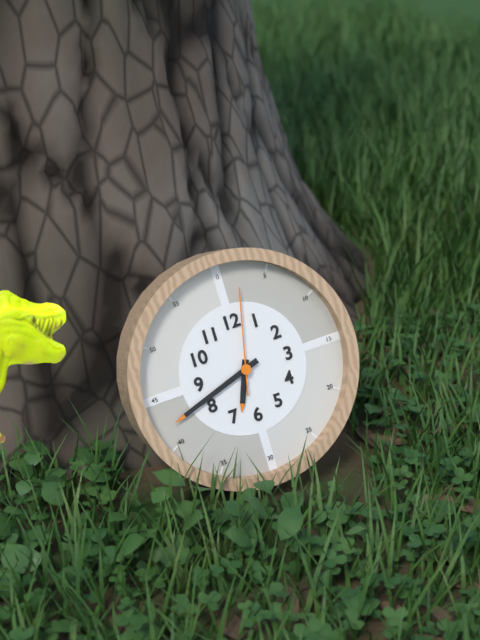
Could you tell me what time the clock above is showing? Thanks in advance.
6:42:02
